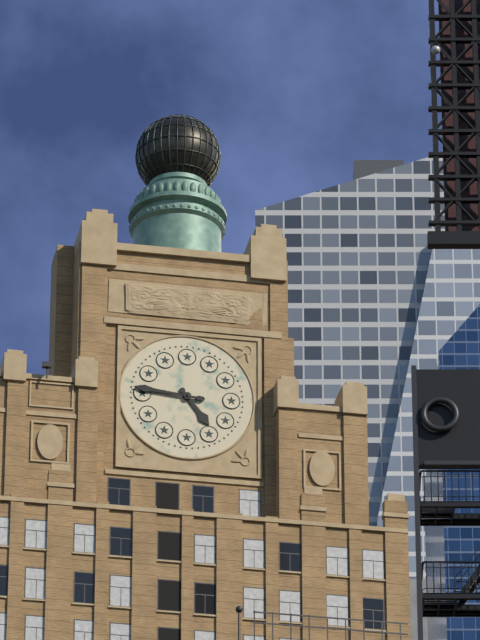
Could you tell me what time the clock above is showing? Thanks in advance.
4:46
